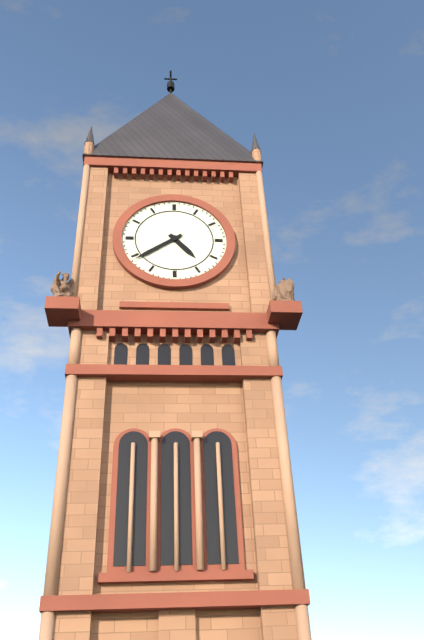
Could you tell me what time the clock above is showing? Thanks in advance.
4:39
